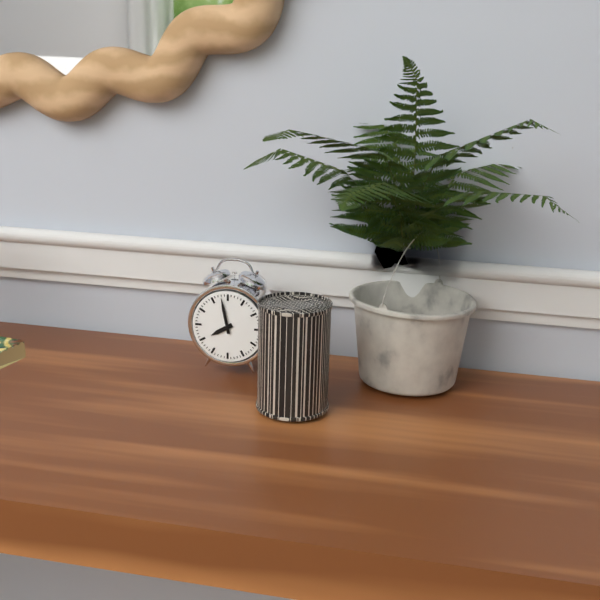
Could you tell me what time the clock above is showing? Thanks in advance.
7:58
